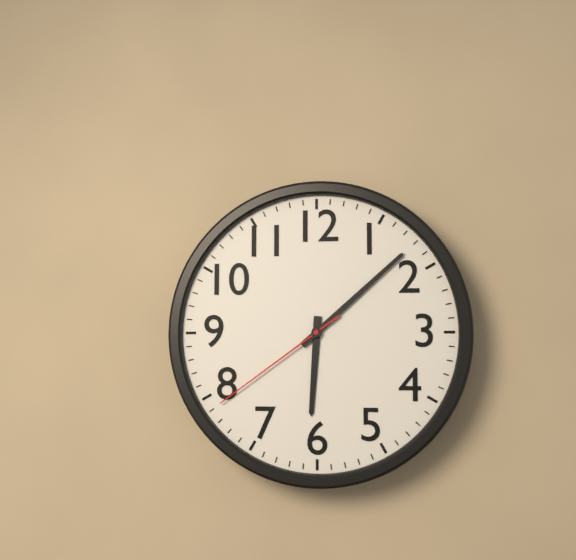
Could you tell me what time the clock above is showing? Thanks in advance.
6:08:39
